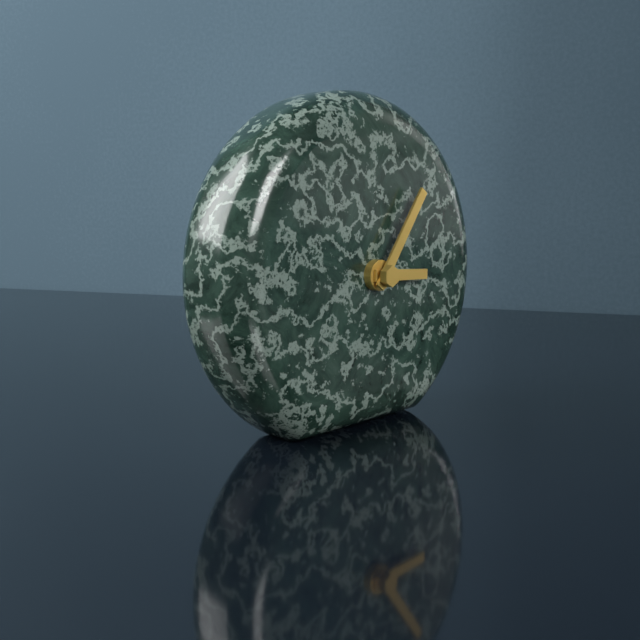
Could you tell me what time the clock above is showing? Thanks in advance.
3:06
